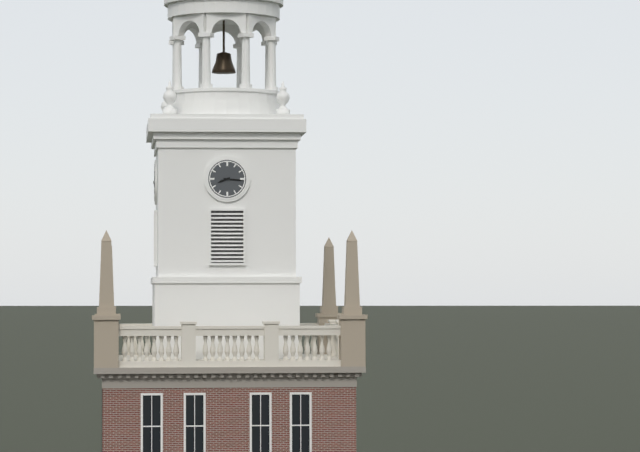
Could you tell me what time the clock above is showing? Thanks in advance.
8:16
